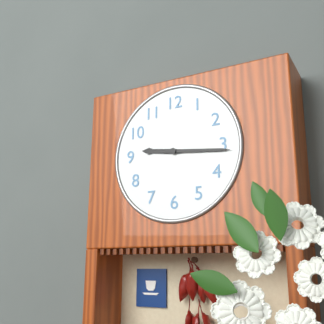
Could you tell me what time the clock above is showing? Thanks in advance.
9:16
